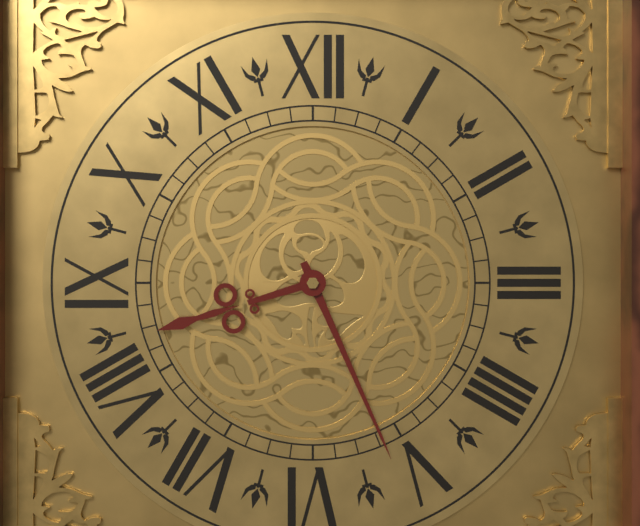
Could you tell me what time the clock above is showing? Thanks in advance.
8:26
